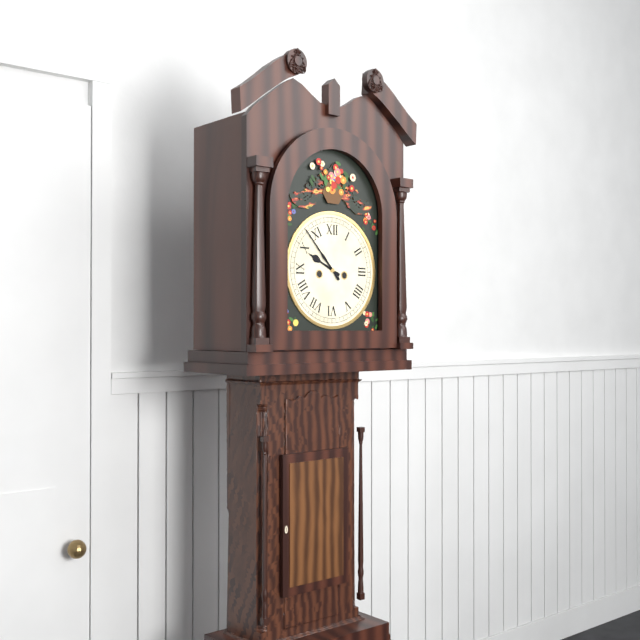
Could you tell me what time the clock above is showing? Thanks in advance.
9:53
